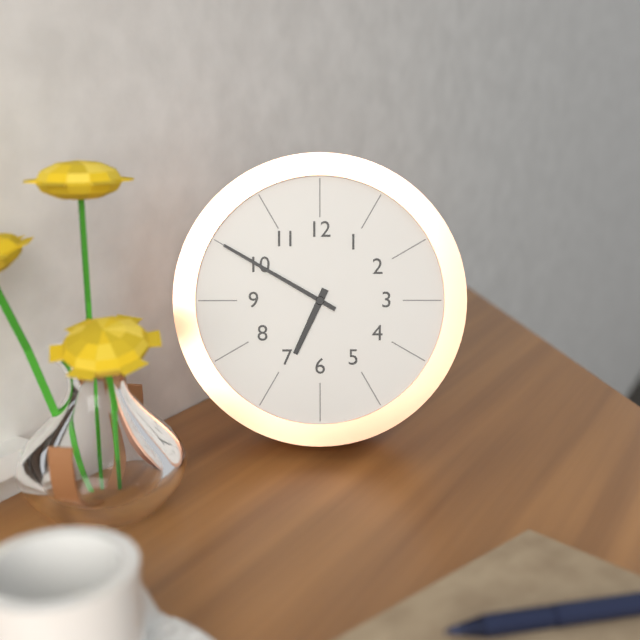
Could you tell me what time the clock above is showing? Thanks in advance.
6:50
